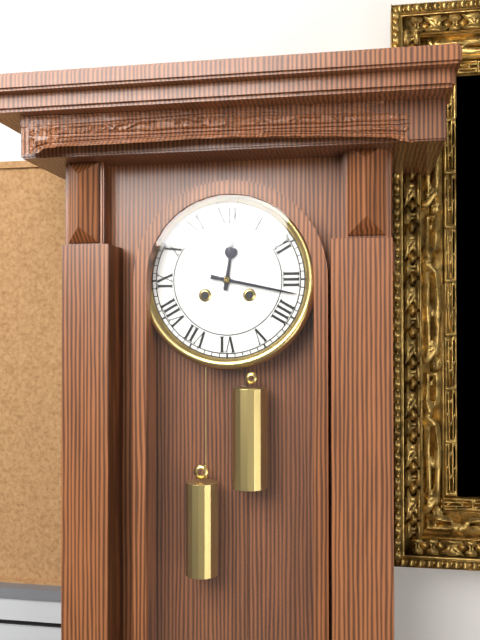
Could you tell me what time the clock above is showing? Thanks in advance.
12:17
